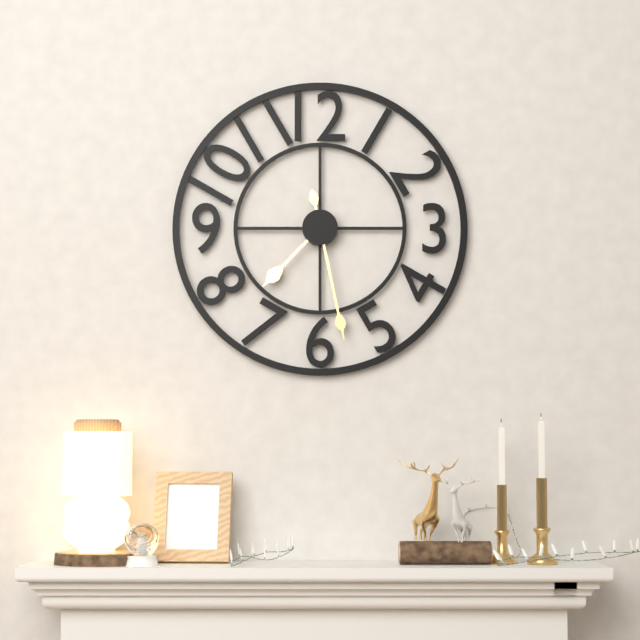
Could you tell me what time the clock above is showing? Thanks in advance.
7:28
